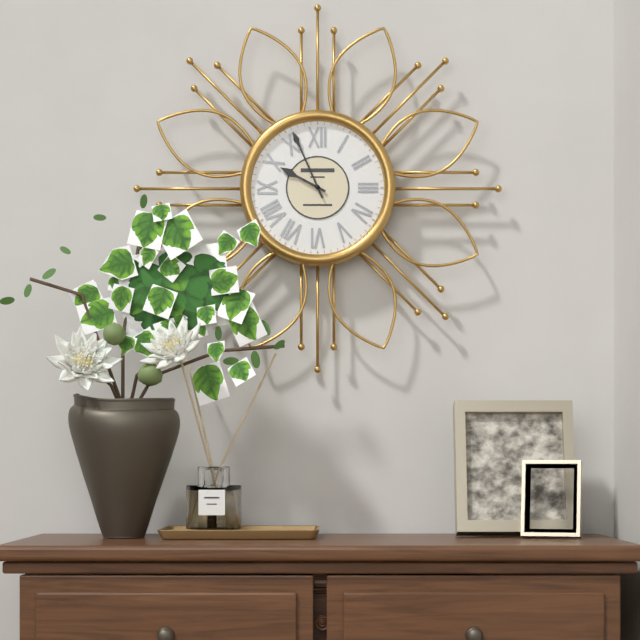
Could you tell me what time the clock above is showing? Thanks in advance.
9:56
